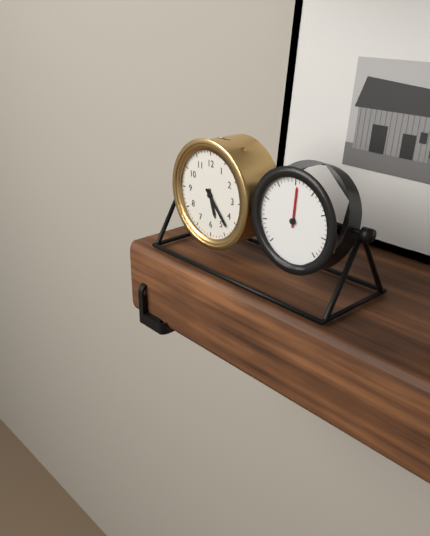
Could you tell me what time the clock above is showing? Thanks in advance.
5:23
